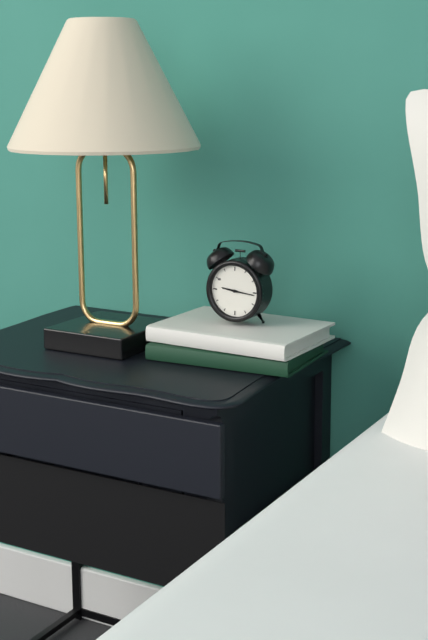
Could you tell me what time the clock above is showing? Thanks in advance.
9:16
